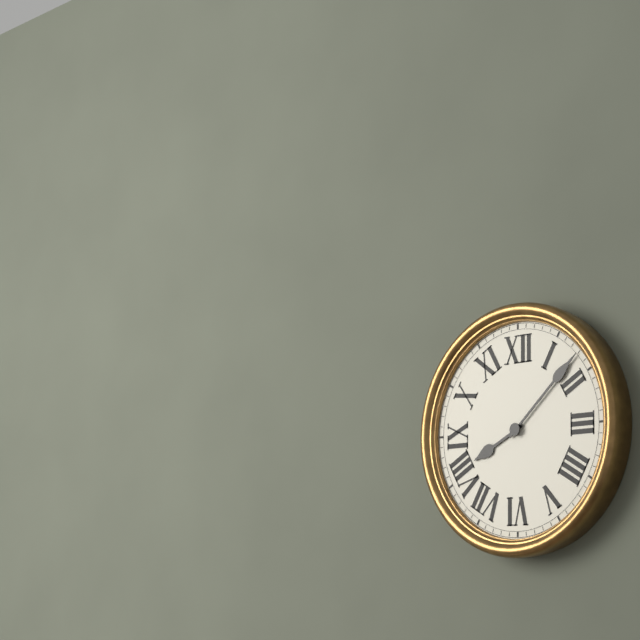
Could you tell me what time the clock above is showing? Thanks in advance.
8:08
